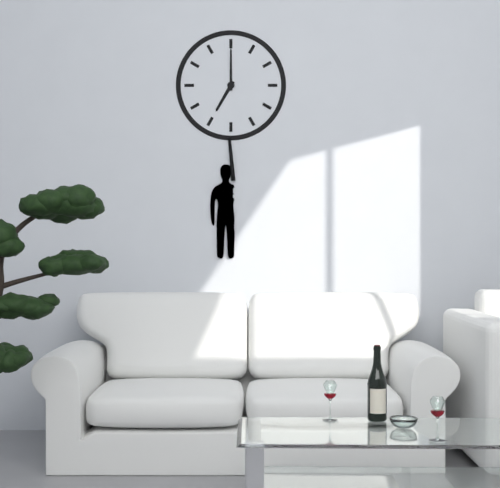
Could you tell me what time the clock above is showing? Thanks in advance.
7:00
